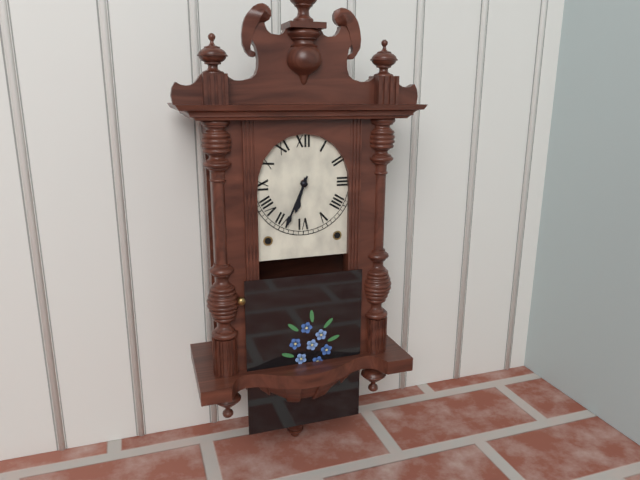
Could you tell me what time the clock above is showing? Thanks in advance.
6:34
